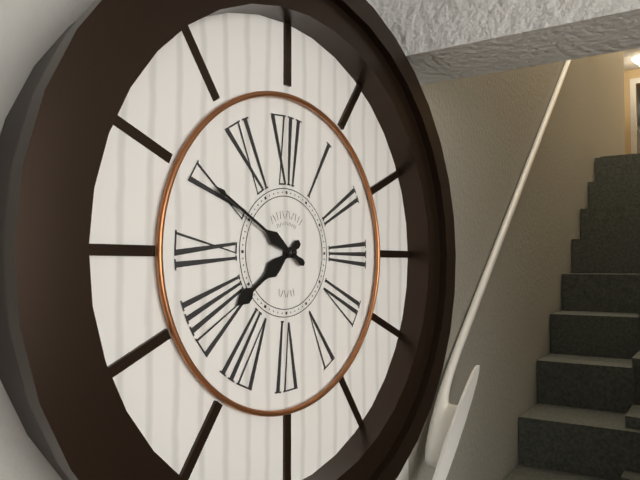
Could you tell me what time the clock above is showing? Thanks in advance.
7:50
